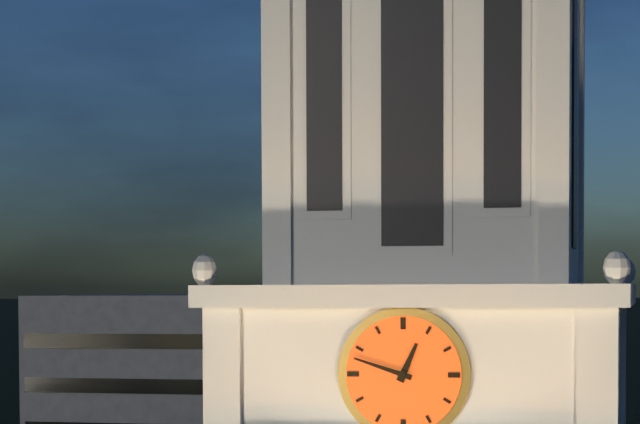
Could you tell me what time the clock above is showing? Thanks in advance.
12:48
